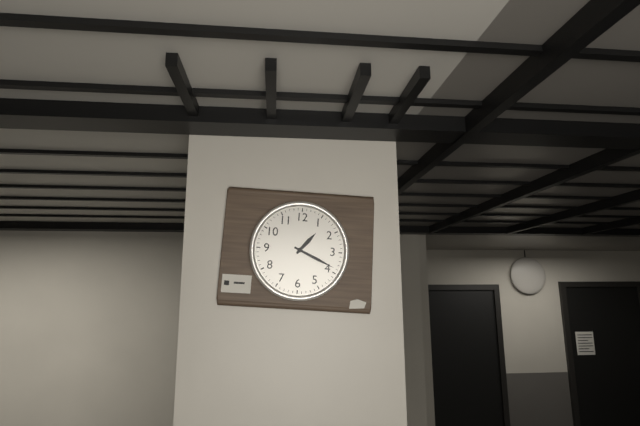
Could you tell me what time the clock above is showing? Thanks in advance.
1:19
